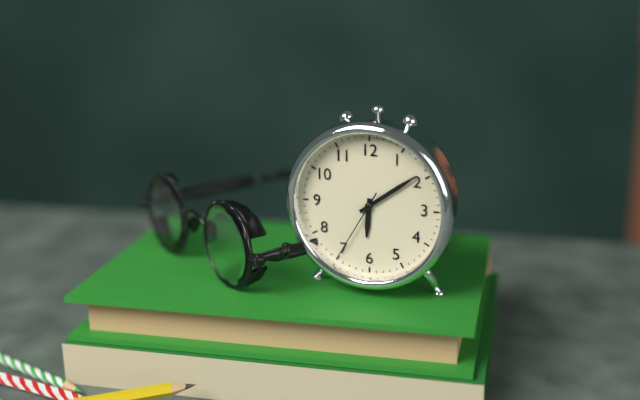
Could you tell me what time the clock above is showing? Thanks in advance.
6:09:35
